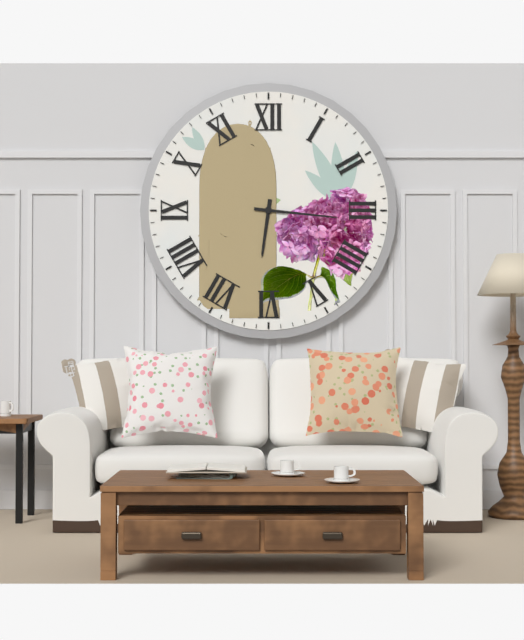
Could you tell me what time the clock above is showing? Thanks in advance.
6:16
